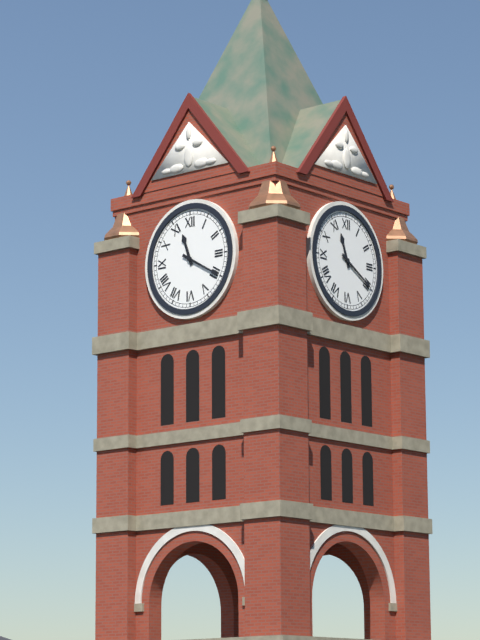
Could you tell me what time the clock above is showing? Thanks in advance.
11:20
